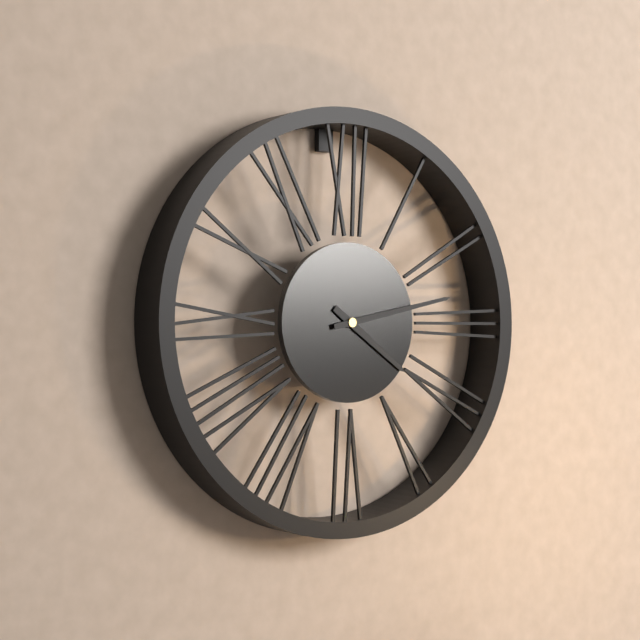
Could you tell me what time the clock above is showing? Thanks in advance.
4:13
